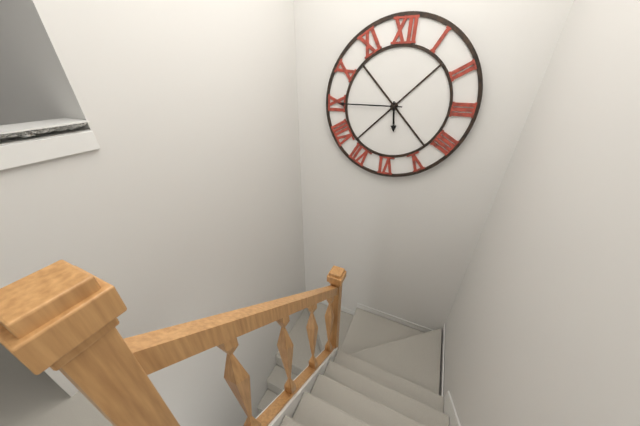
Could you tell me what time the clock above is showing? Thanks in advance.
5:45
